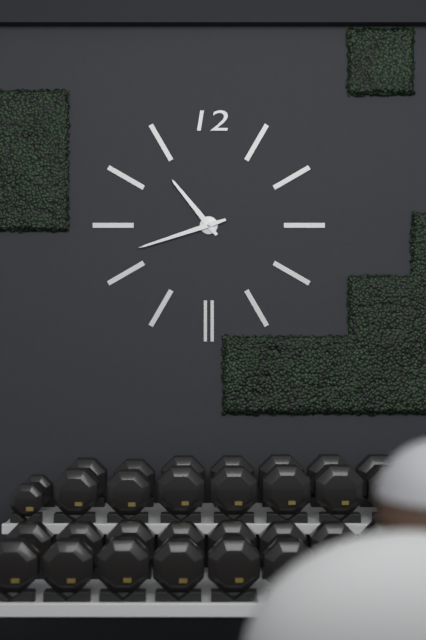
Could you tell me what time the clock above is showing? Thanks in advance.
10:42
